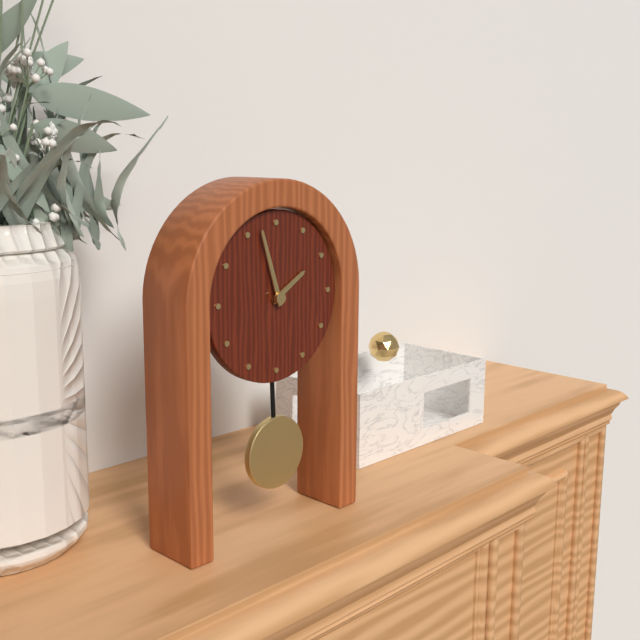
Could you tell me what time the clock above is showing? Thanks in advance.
1:57
